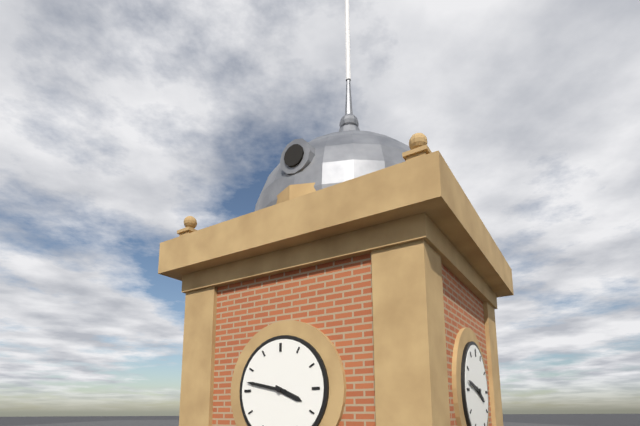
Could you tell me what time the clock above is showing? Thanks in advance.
3:47
